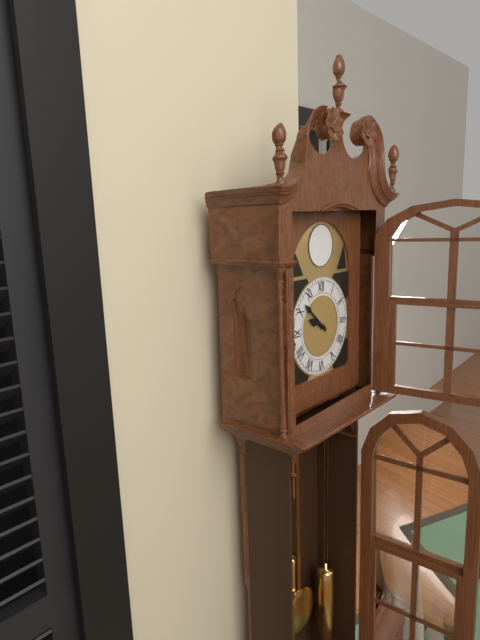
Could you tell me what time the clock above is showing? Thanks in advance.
9:52
